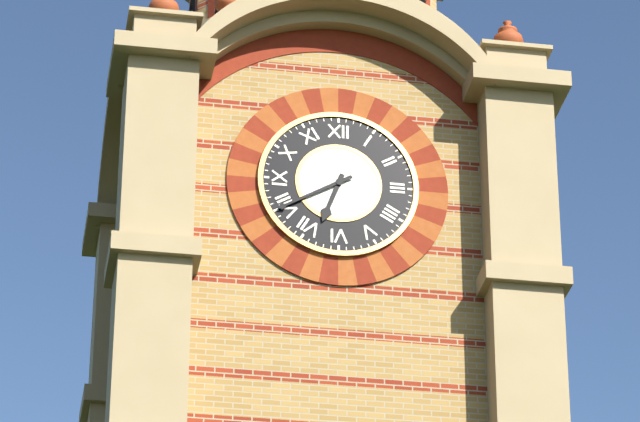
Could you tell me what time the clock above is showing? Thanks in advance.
6:40
